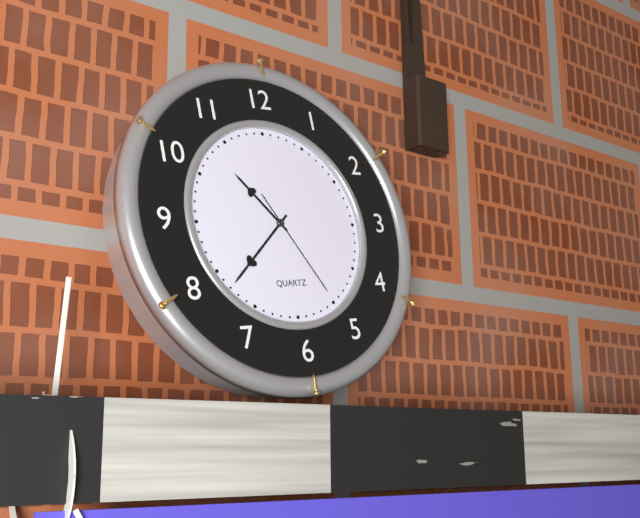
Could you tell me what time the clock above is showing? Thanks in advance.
10:38:25
